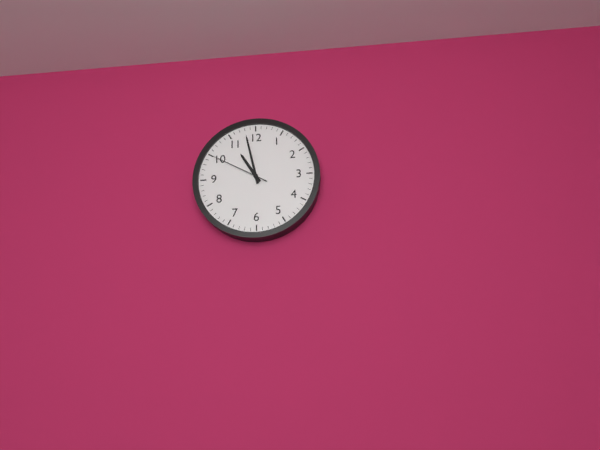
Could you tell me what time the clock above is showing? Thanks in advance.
10:58:50
